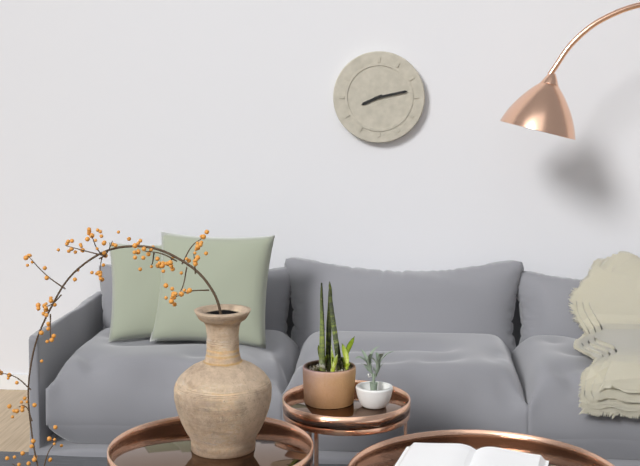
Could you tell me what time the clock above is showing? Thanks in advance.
8:13
